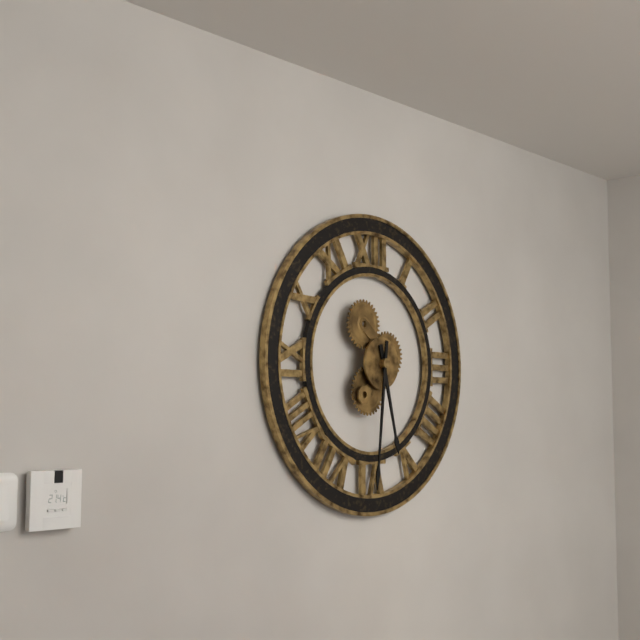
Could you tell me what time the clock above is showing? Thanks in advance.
5:31
